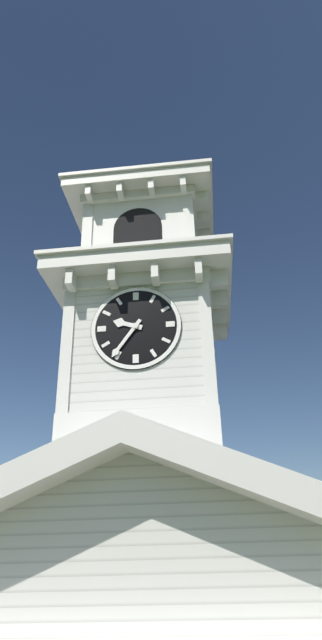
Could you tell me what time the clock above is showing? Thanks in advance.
9:36
